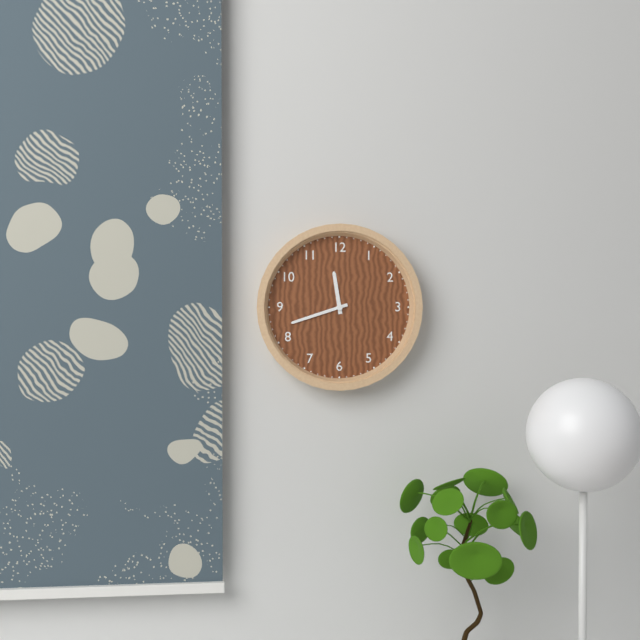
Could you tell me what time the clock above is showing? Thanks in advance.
11:42
